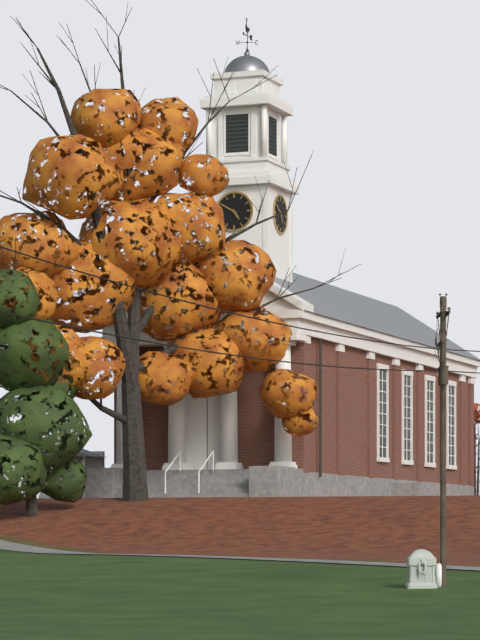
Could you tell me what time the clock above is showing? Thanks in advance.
4:50
